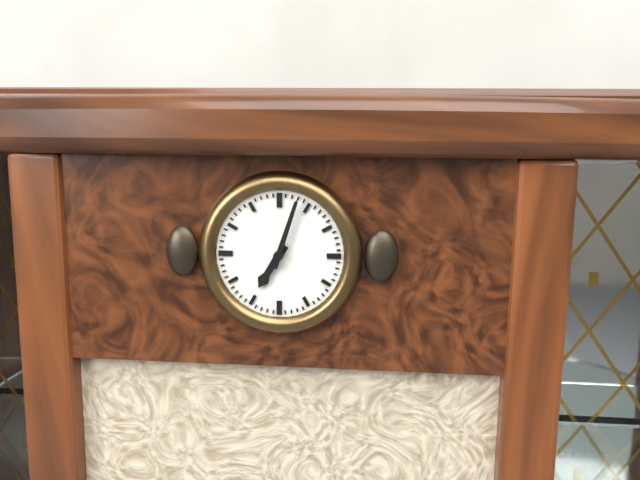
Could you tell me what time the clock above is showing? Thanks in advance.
7:03
